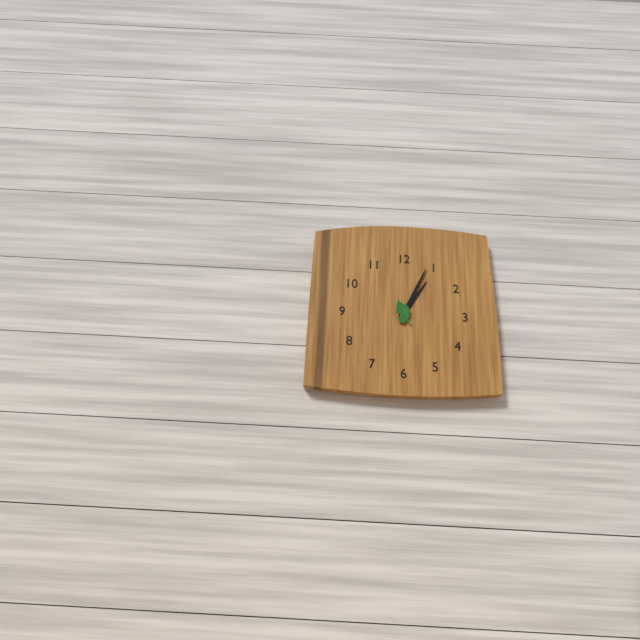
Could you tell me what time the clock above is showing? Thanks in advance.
1:04
